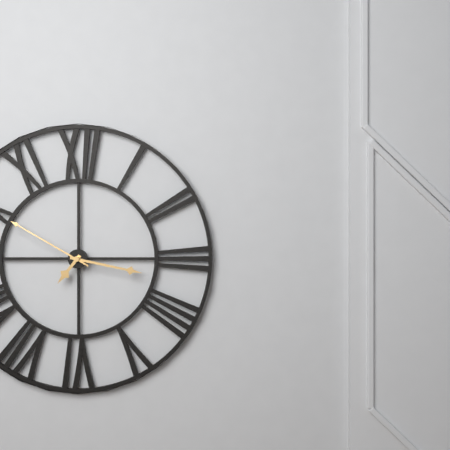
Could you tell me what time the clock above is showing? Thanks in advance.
7:17:50
